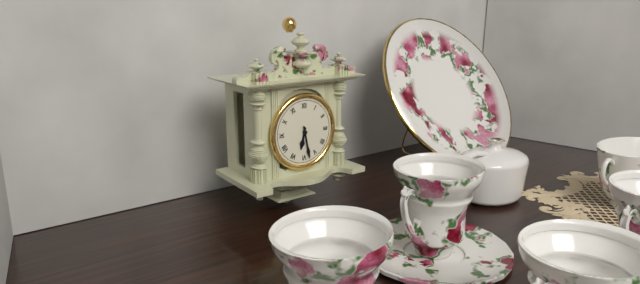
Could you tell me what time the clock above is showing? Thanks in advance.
6:28
